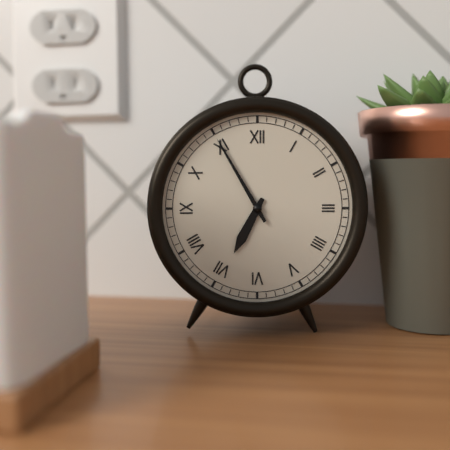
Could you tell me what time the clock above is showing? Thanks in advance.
6:55
